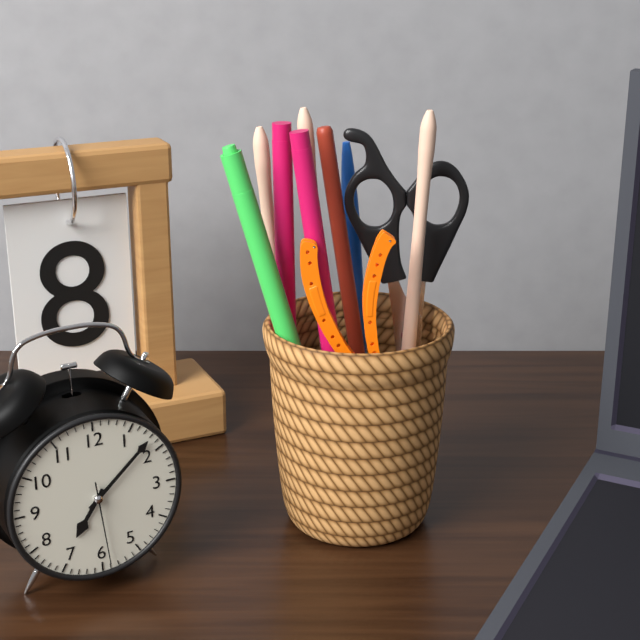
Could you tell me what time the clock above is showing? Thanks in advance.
7:08:29
